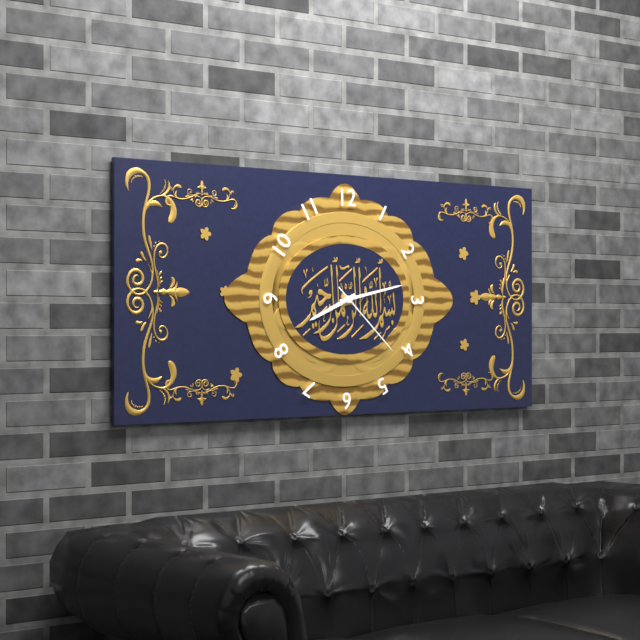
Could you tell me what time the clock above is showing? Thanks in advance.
8:13:22
